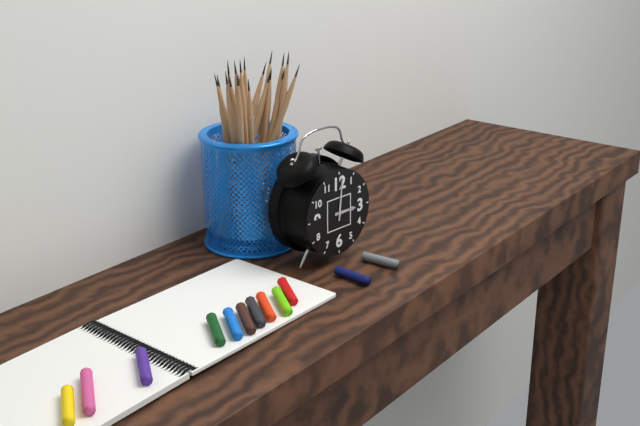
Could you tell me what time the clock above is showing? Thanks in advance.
3:01
